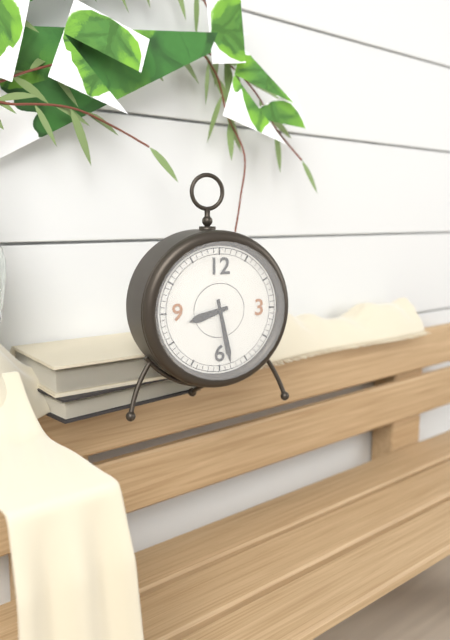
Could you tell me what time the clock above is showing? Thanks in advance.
8:28
